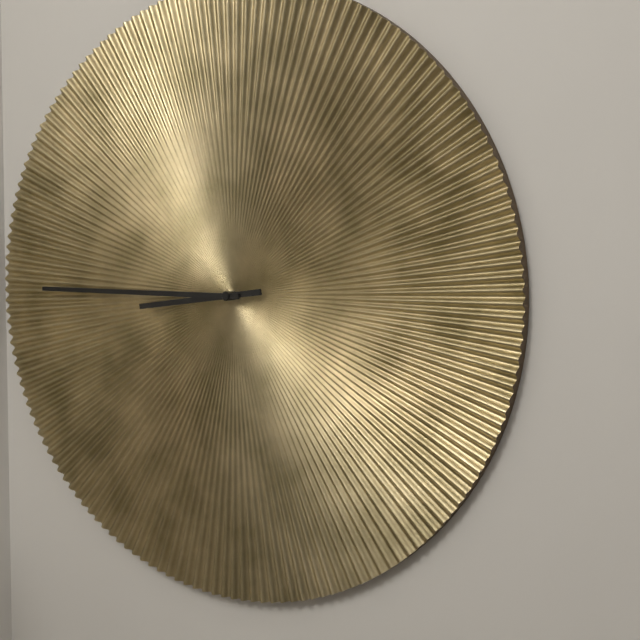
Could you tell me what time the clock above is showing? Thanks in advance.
8:45
